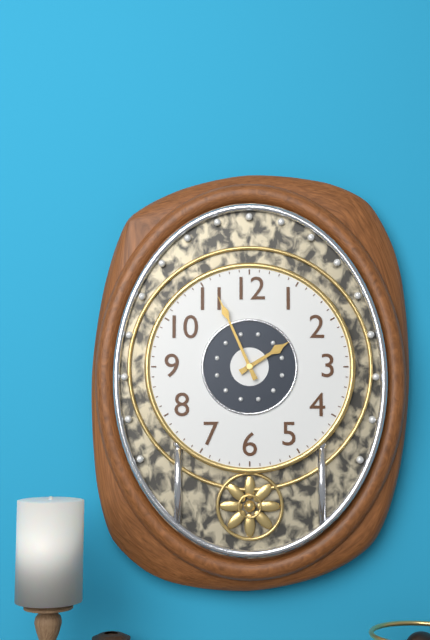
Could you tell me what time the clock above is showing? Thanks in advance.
1:56
